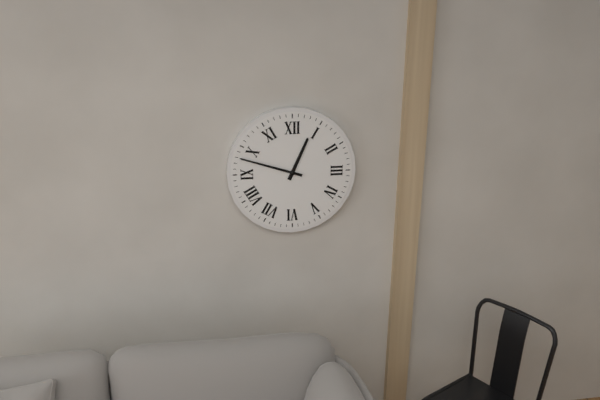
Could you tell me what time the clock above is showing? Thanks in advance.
12:48
